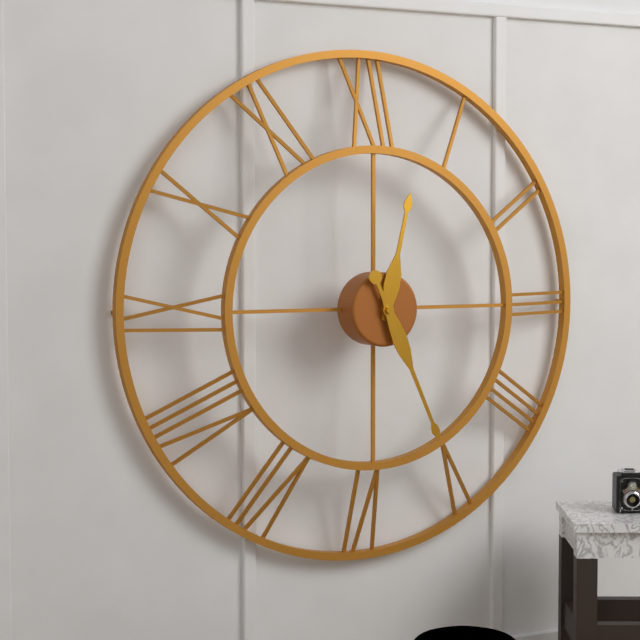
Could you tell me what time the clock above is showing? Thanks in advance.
12:26
